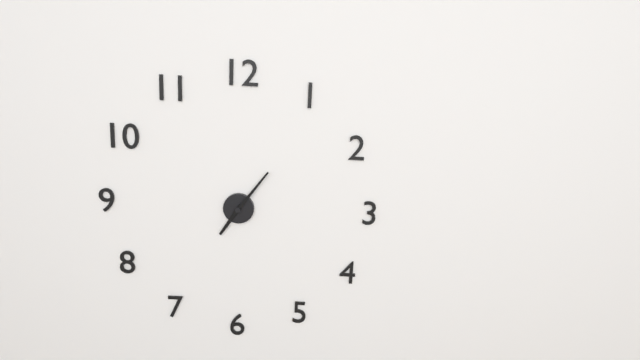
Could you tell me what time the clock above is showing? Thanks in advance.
7:06
